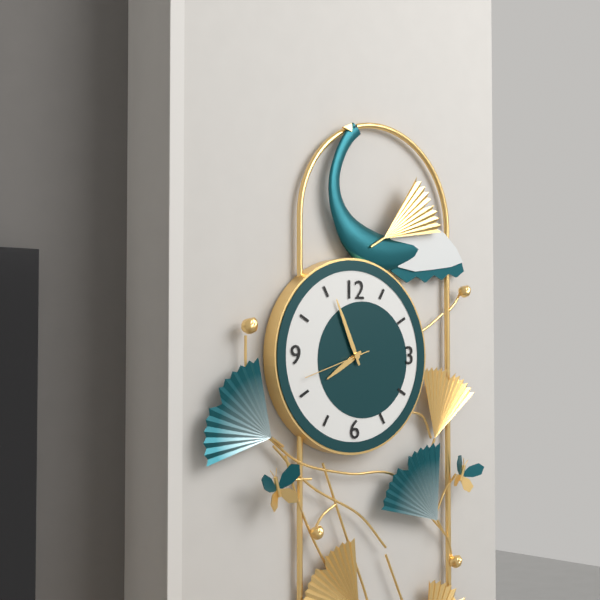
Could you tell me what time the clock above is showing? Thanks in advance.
7:56:42
